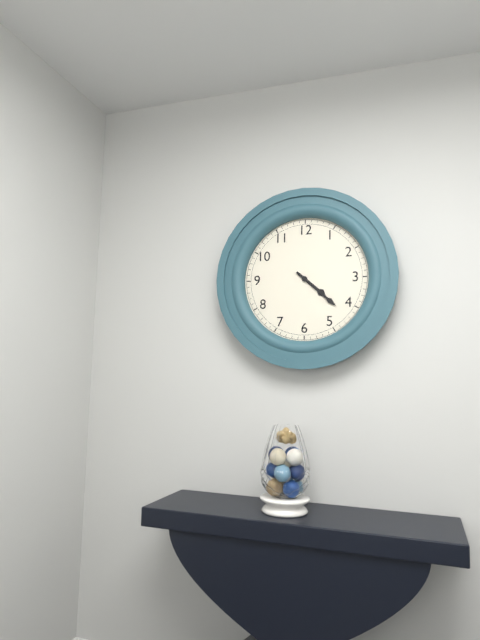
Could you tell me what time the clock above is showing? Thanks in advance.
4:22
